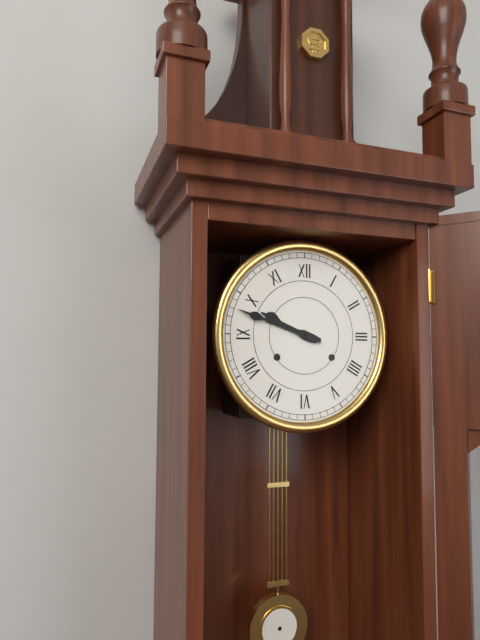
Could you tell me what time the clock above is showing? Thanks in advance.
9:48
